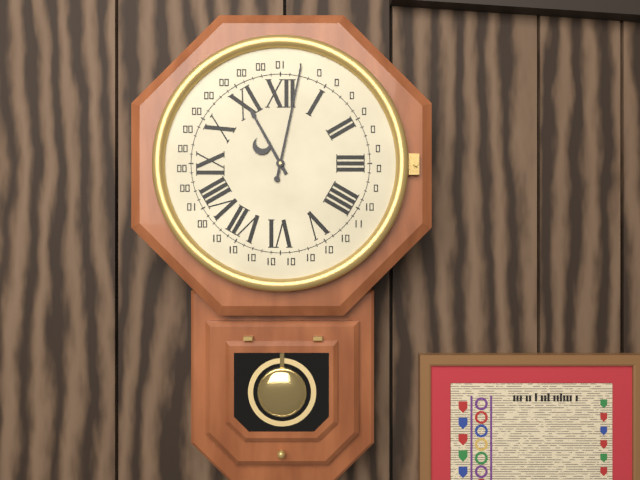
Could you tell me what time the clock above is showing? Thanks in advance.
11:02
